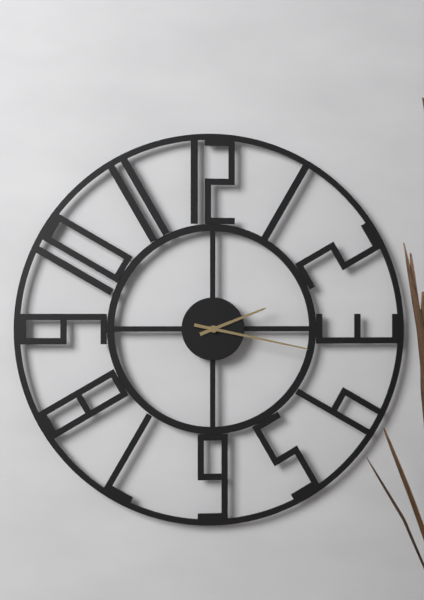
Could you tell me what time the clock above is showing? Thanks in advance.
2:17
